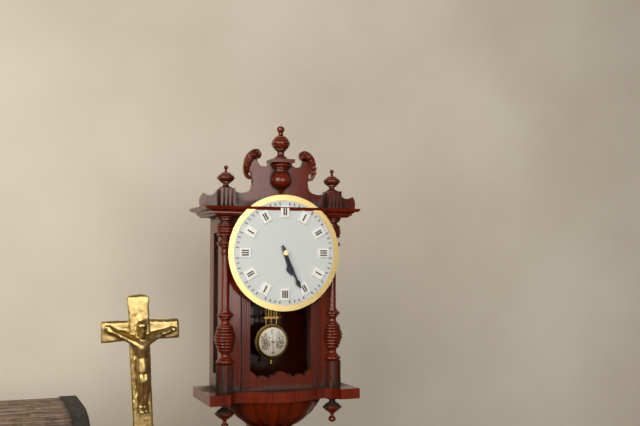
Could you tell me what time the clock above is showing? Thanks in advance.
5:26
